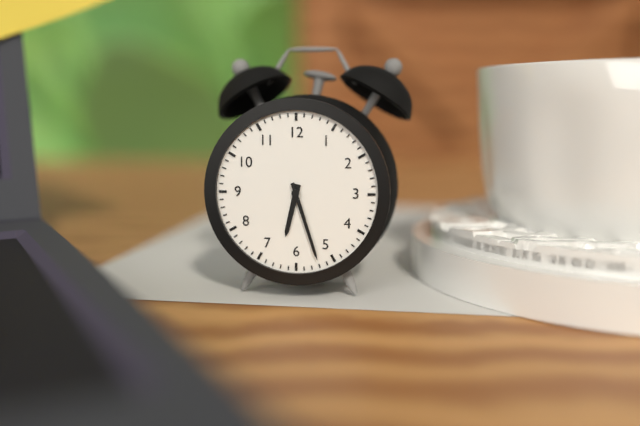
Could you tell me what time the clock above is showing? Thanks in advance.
6:27
